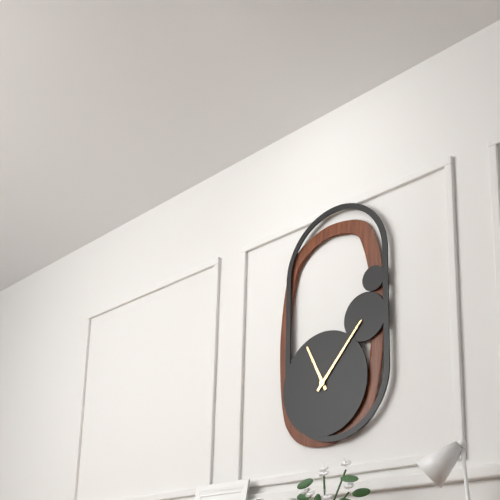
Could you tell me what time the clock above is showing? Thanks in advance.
11:07
